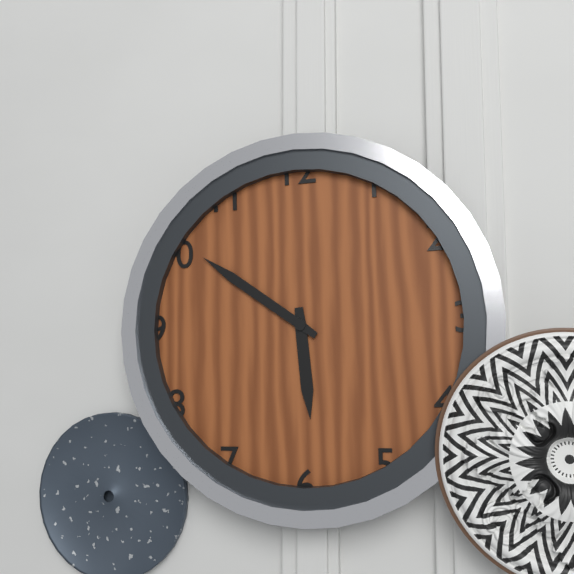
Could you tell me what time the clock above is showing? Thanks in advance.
5:51
